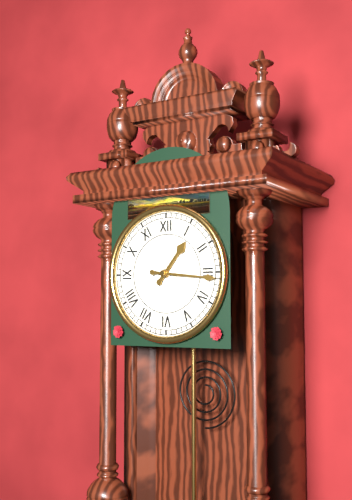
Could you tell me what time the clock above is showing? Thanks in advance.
1:16
